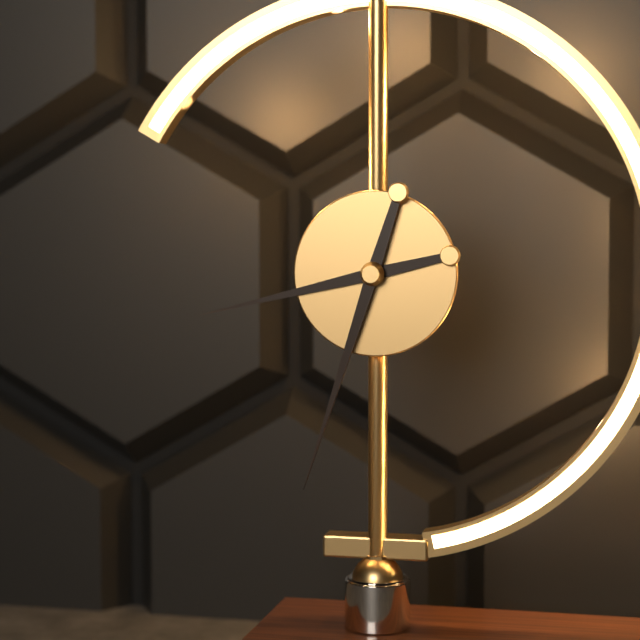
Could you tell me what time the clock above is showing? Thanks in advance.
8:33
